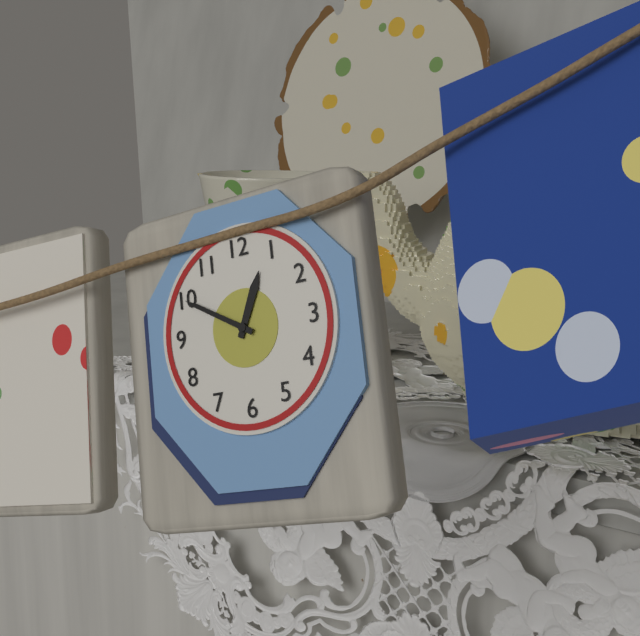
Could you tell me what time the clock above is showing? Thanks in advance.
12:50
